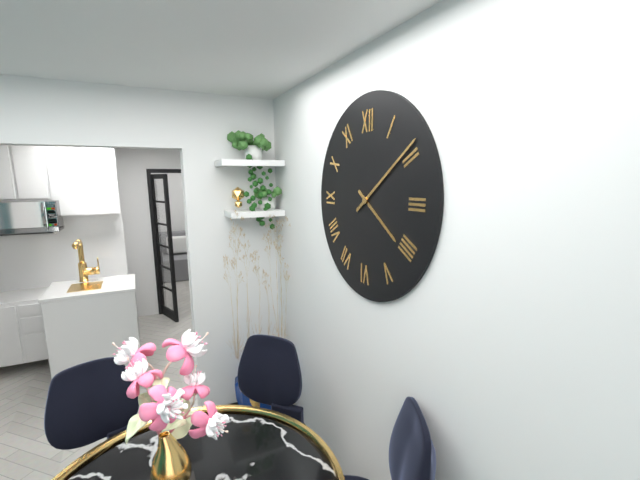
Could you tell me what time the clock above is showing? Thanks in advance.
4:09
